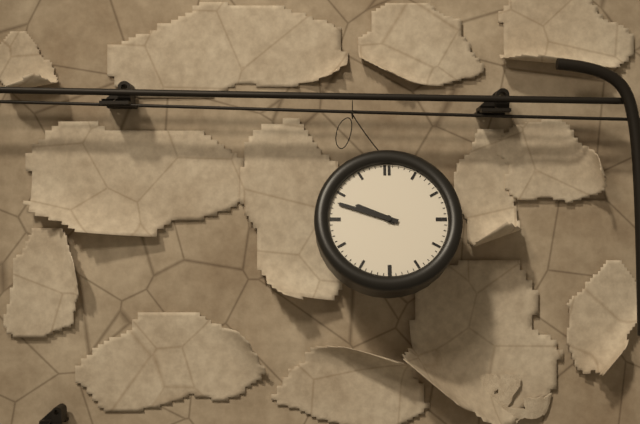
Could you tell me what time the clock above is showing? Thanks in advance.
9:48
